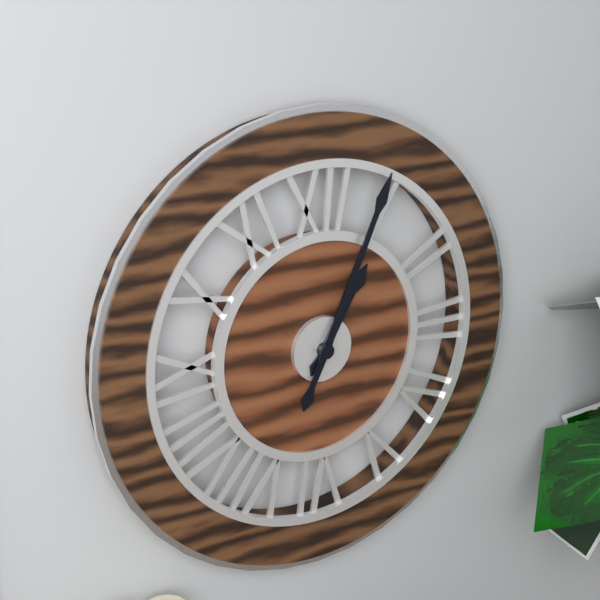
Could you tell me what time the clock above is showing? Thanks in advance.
1:04
